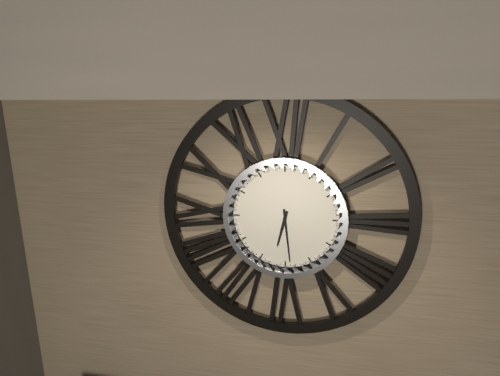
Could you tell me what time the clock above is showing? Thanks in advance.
6:29
